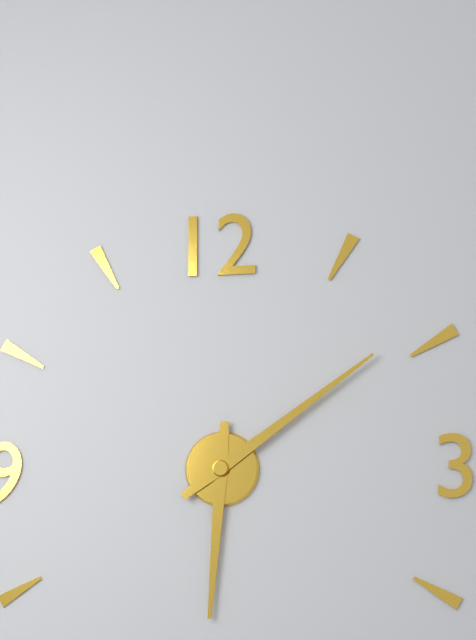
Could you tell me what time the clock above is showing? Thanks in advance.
6:09
